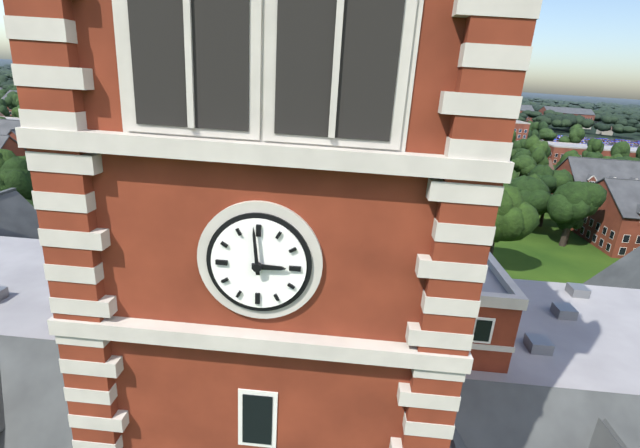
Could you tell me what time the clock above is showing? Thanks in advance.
2:59
